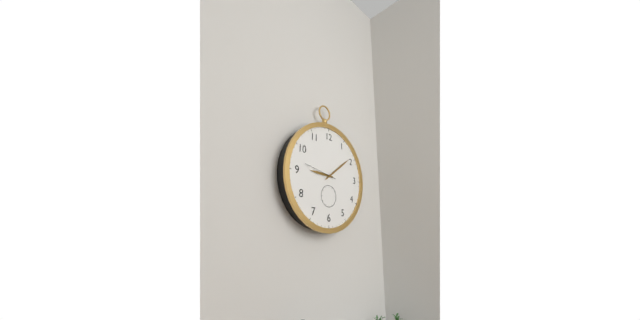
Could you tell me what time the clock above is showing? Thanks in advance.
9:09
